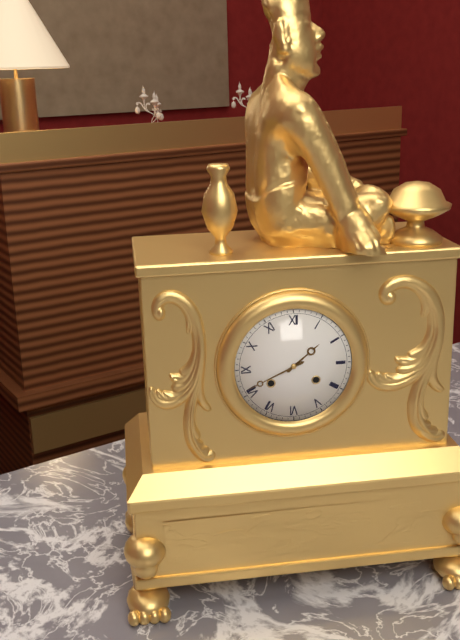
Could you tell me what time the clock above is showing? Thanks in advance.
1:41
